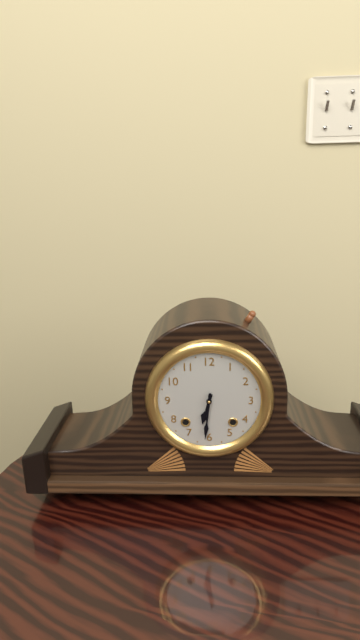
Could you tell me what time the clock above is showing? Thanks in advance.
6:31
